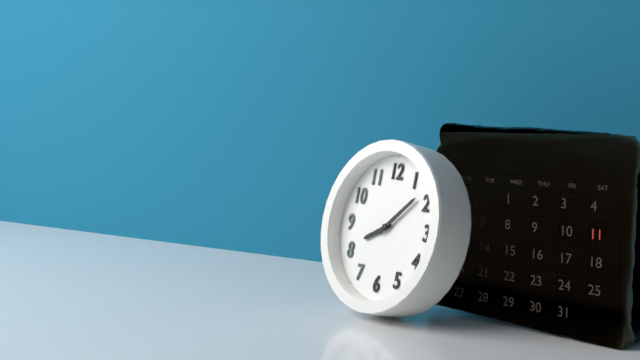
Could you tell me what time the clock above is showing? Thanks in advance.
8:08
